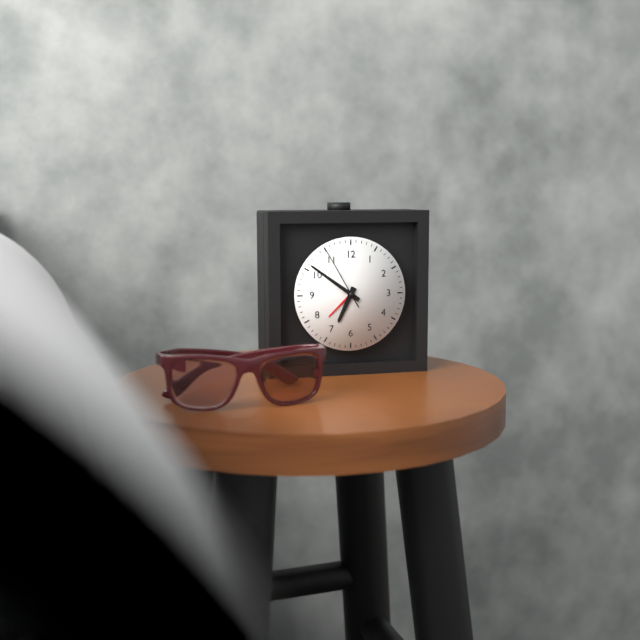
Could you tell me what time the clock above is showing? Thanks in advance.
6:51:55
